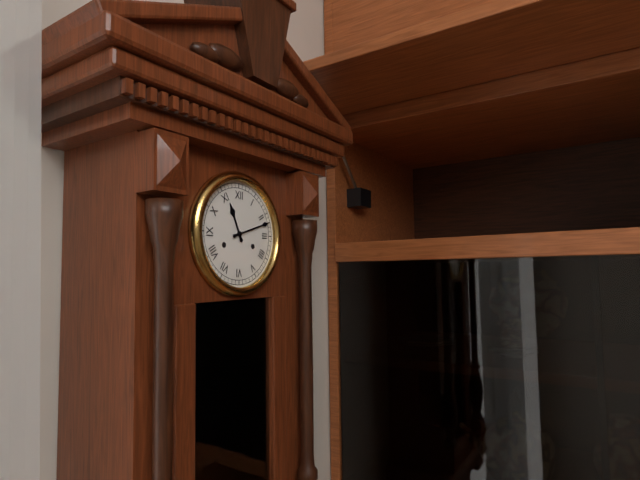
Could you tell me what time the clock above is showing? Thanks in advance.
11:12
